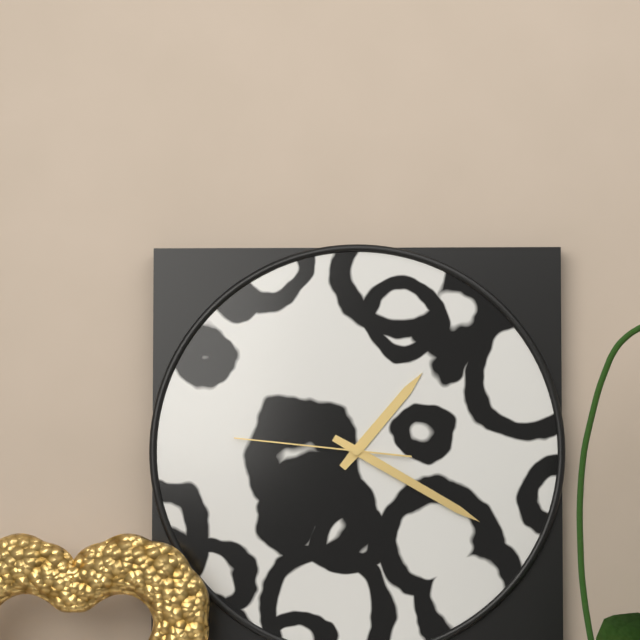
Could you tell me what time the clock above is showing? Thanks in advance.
1:20:46
